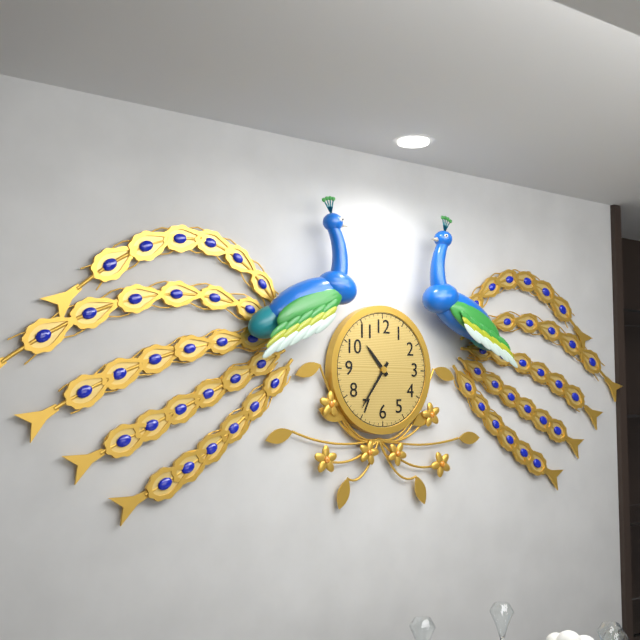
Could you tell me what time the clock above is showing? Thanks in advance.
10:36
